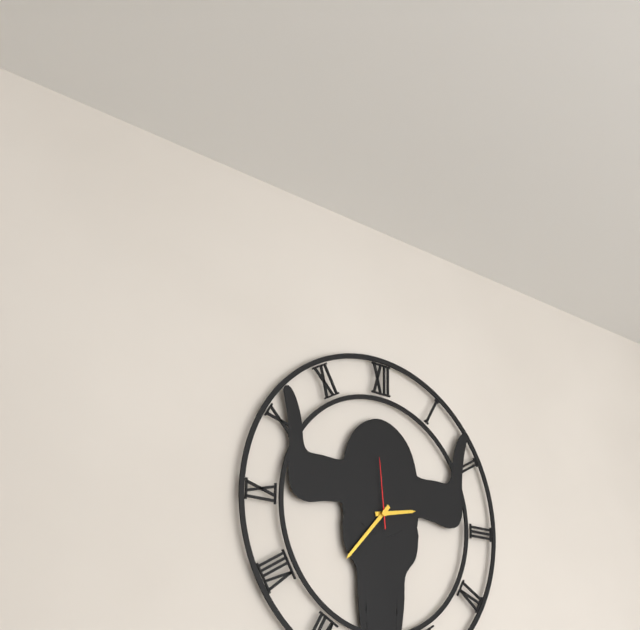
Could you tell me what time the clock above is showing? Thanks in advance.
2:37:59
